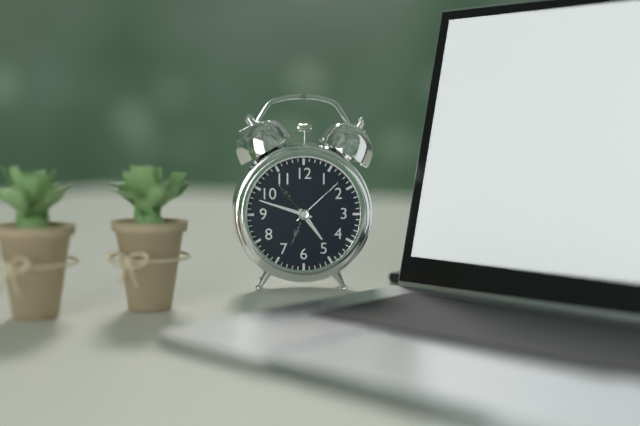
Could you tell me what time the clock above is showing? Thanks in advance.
4:48
